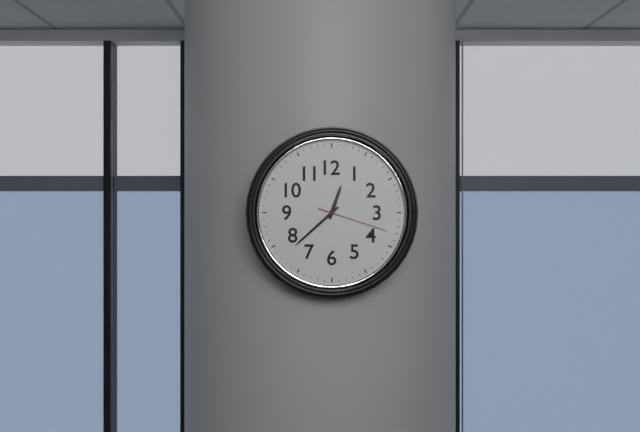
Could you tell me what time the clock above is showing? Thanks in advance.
12:38:18
